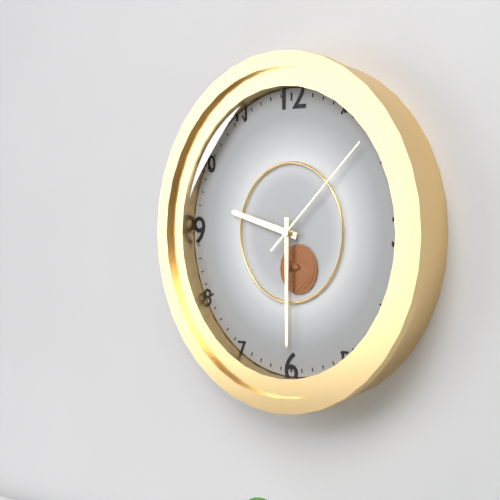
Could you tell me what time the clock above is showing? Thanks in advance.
9:30:08
